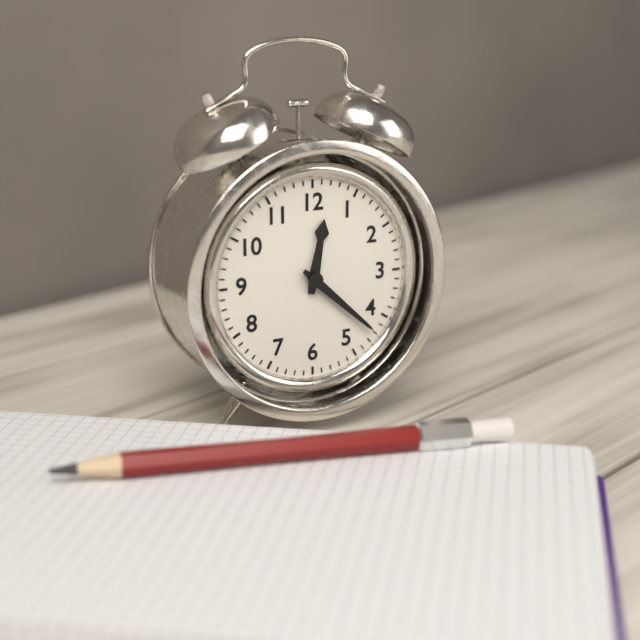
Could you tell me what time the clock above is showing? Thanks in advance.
12:22
